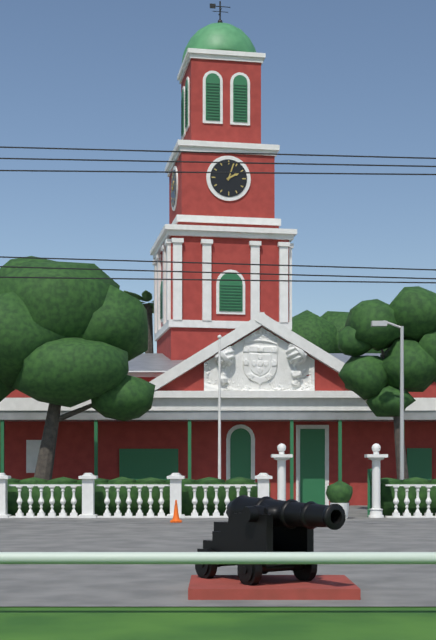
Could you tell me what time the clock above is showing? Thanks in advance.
2:03
